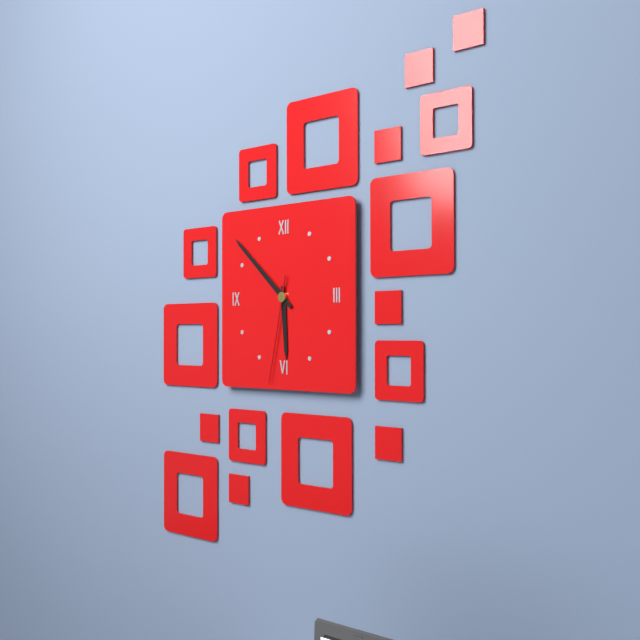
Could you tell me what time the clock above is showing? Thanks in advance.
5:52:32
